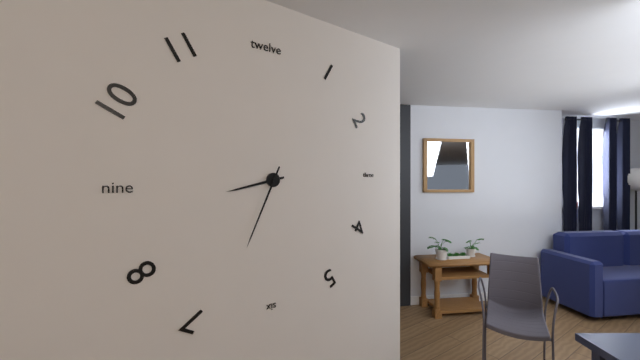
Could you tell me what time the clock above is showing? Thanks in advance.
8:34
